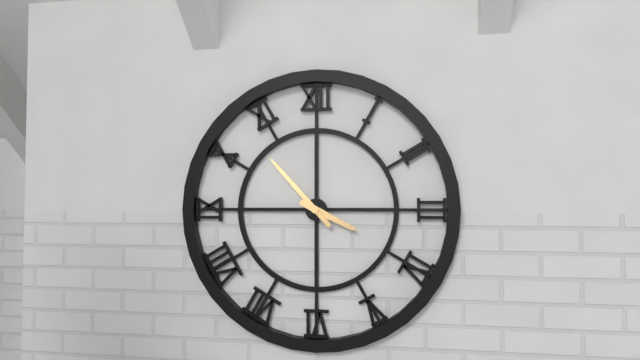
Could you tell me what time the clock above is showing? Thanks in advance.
3:53
